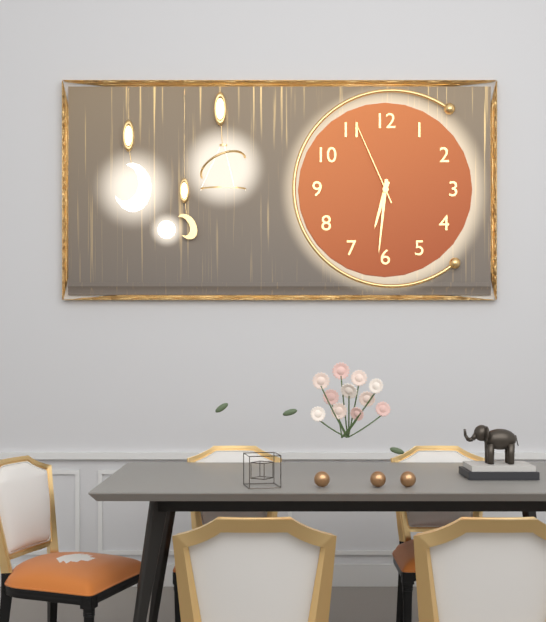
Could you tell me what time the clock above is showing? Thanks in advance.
6:31:56
